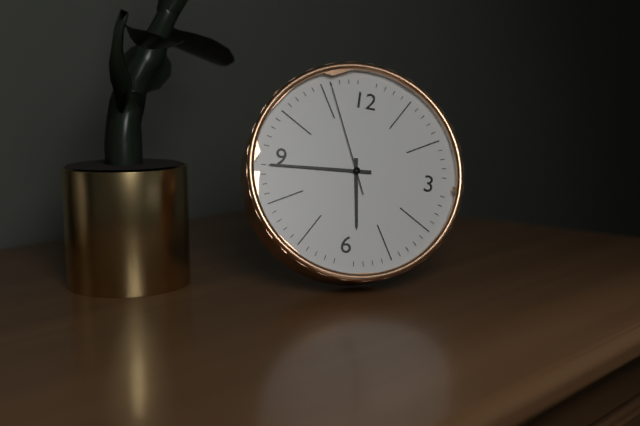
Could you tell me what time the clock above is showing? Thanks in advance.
5:44:56
